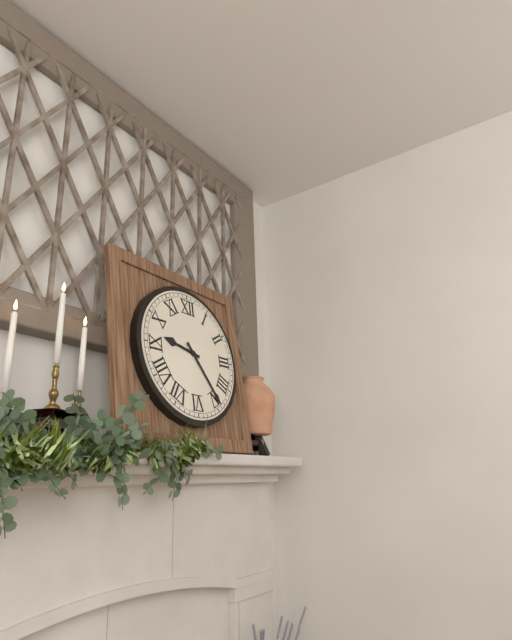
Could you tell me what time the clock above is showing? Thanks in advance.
9:24
